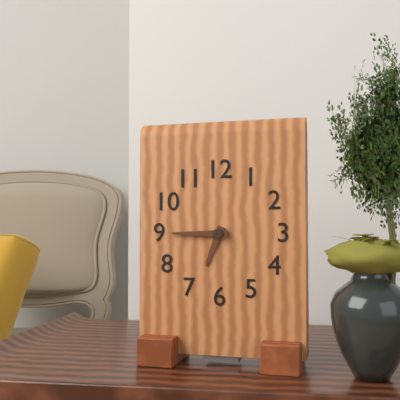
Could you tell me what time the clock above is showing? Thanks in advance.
6:45
